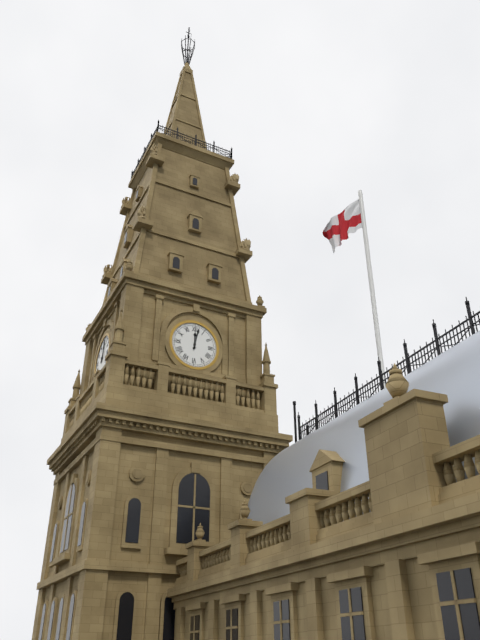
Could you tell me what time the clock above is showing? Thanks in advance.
12:02
